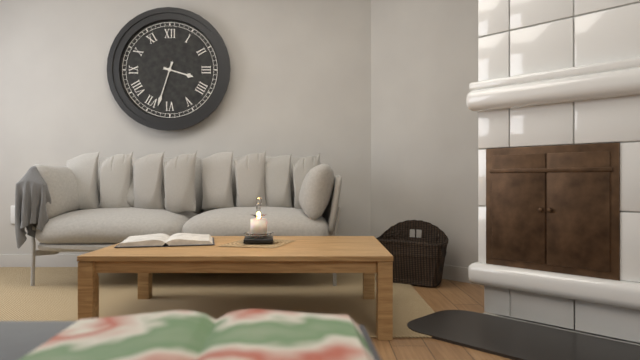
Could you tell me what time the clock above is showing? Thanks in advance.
3:33
